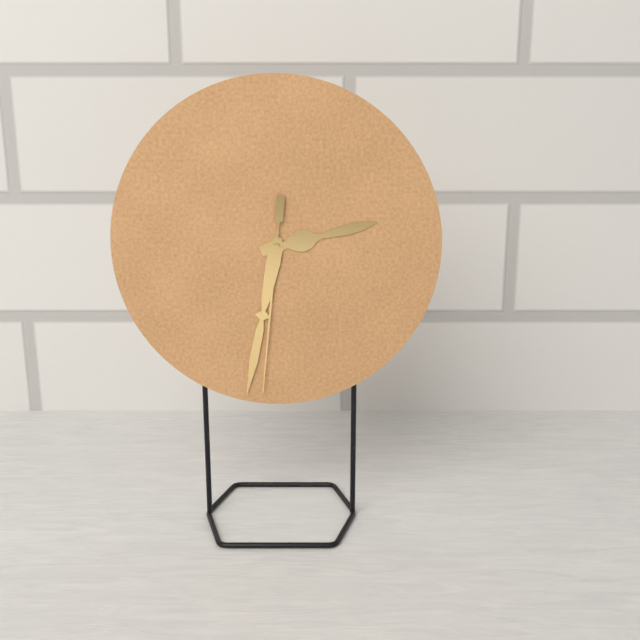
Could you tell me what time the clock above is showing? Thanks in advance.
2:32:31
